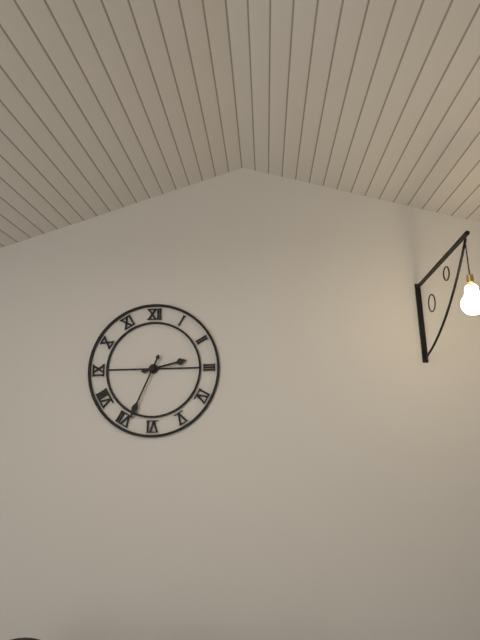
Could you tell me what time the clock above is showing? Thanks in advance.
2:34
